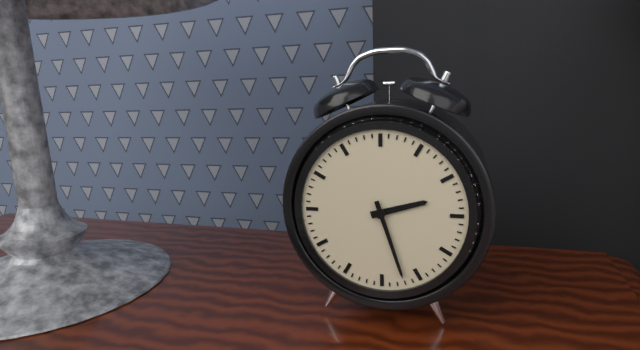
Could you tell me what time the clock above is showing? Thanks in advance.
2:27
